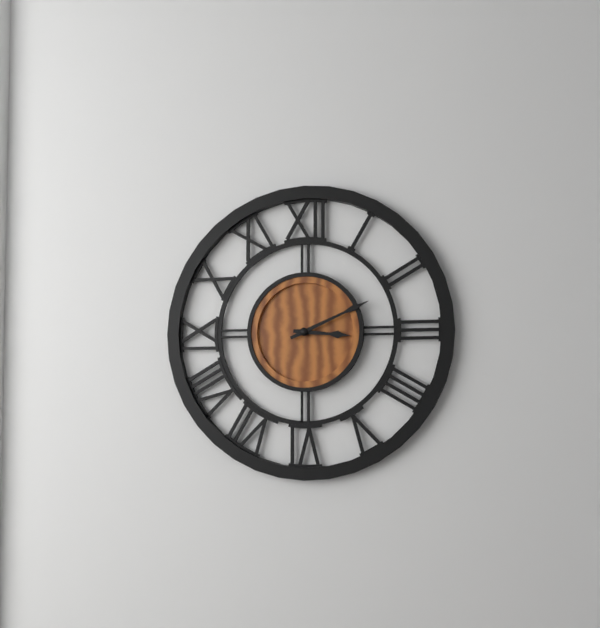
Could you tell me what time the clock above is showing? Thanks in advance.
3:11
